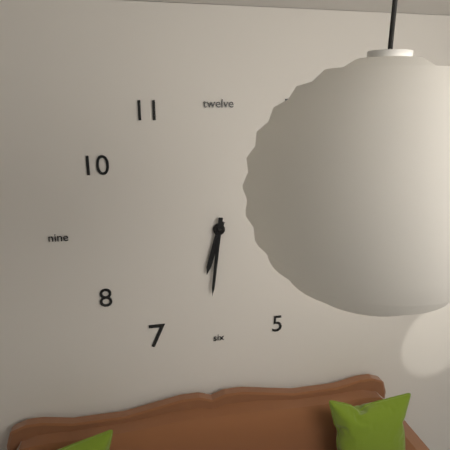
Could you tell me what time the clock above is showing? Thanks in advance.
6:31
